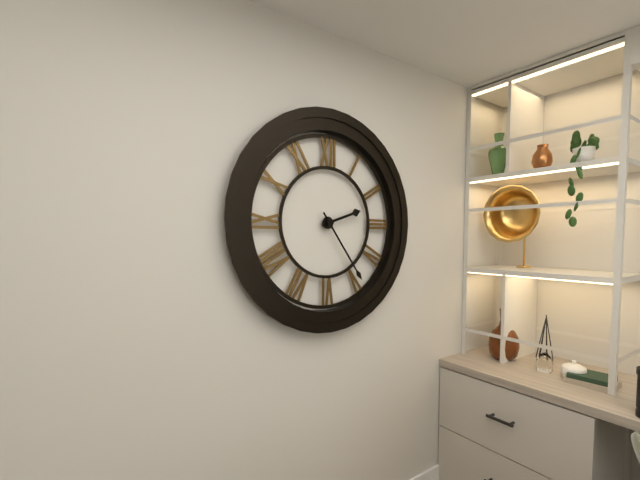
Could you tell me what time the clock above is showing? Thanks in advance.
2:24
